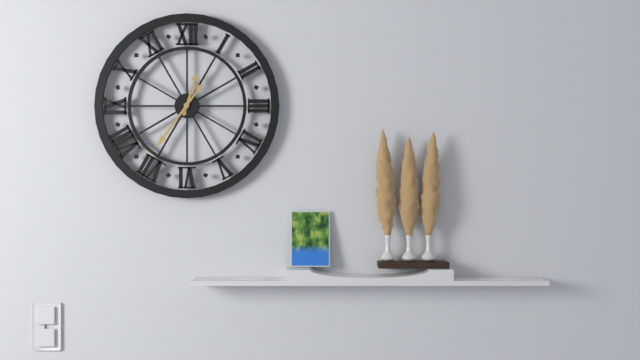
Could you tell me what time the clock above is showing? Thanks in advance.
12:36
